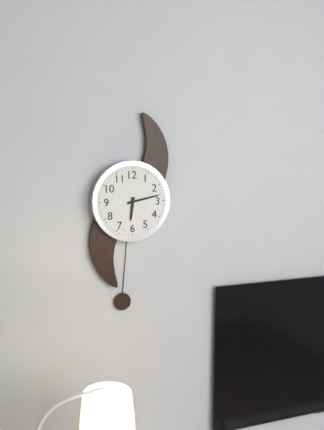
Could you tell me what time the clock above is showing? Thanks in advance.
6:13
